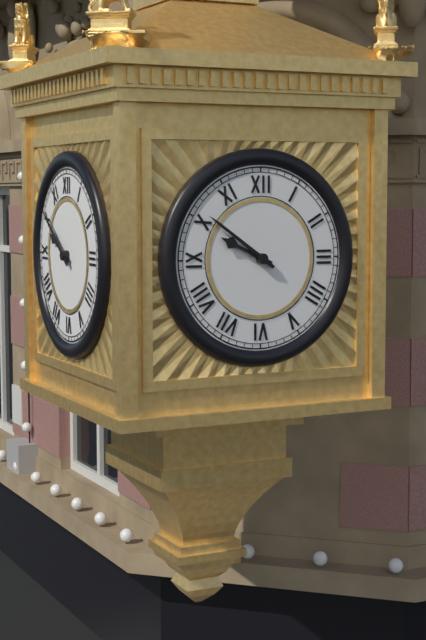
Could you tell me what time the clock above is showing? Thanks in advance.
9:51
